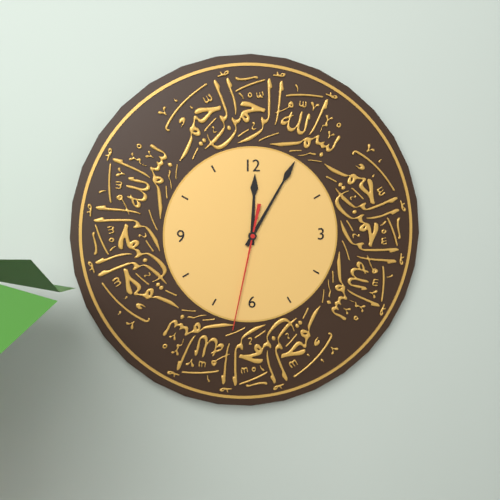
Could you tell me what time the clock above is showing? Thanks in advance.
12:05:32
